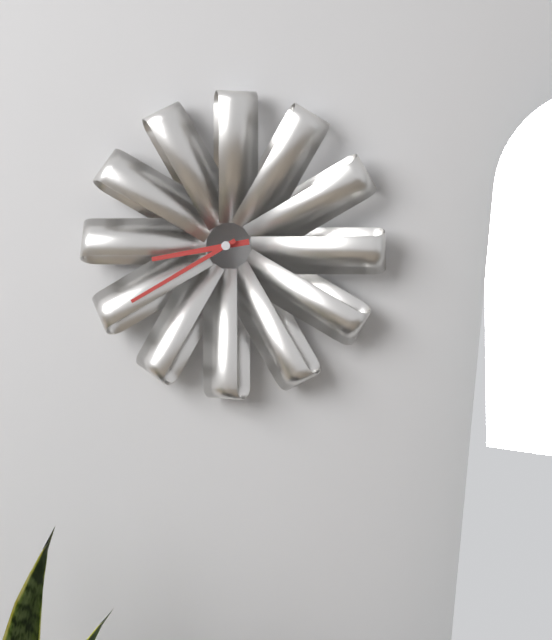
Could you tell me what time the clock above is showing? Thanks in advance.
8:40
